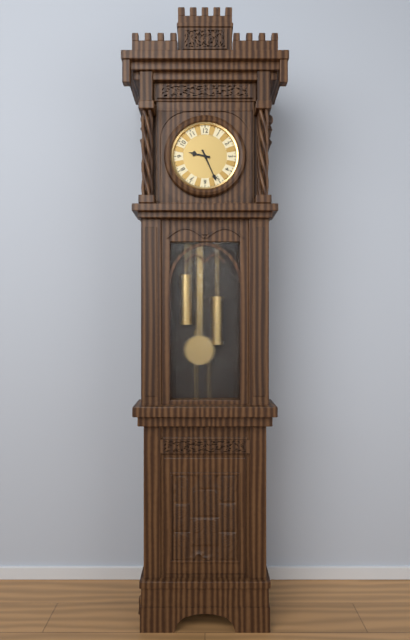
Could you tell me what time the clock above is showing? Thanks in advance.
9:26
